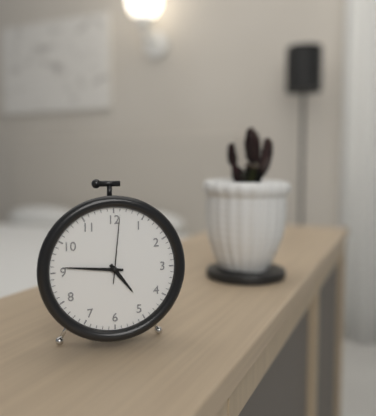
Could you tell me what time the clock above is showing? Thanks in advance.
4:46:01
